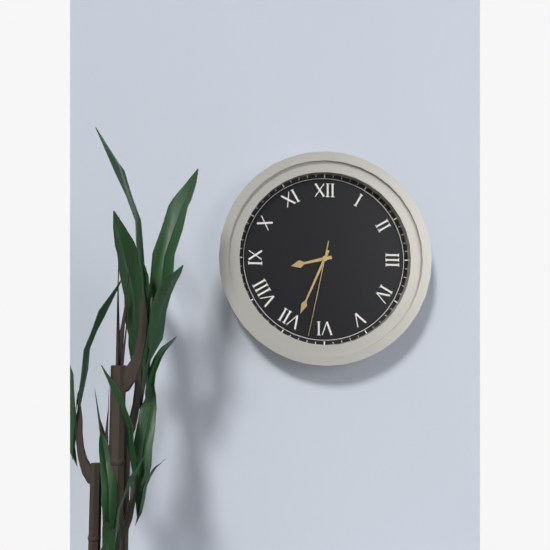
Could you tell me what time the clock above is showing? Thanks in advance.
8:34:32
